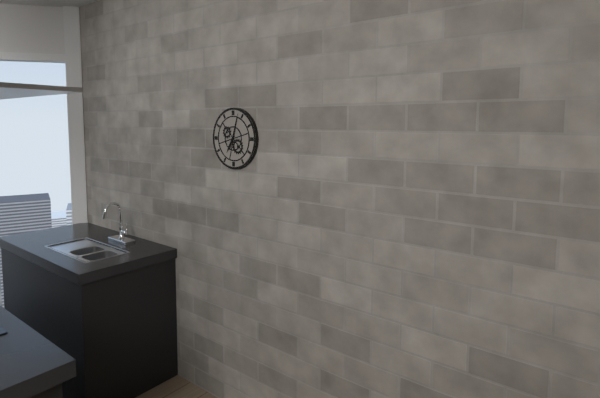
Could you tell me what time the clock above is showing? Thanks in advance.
7:03
